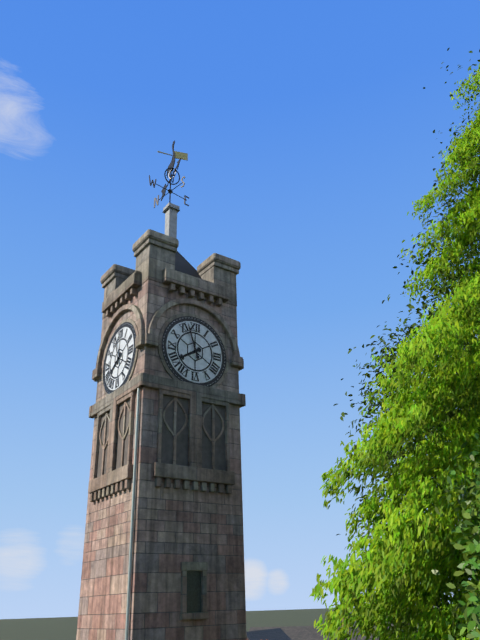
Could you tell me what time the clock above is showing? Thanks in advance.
7:57
